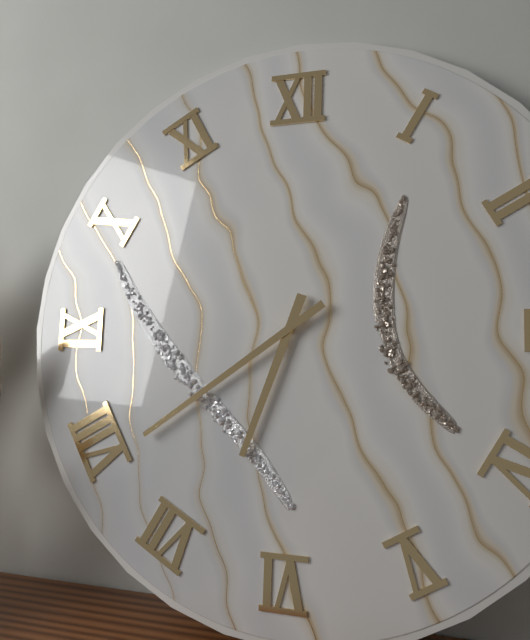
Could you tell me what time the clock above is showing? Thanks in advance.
6:39
